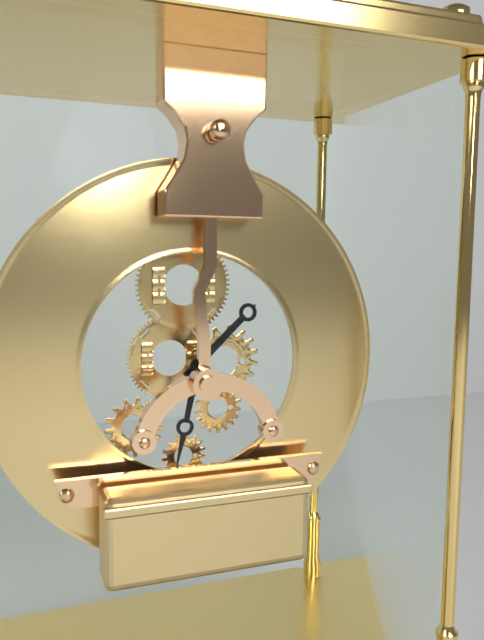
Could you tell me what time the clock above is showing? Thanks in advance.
1:32
